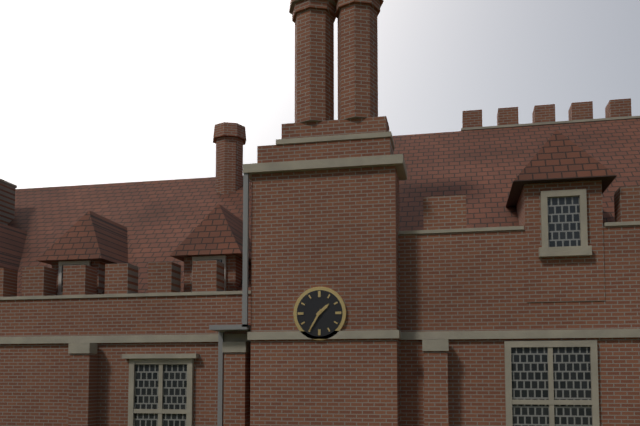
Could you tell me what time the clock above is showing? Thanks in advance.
1:35
